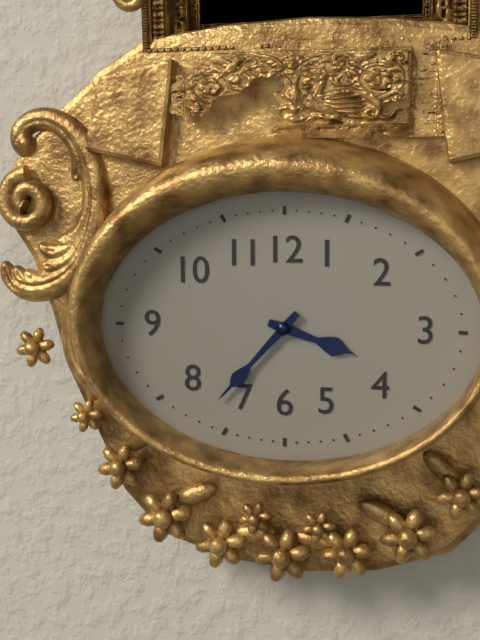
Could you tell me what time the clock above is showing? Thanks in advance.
3:37
